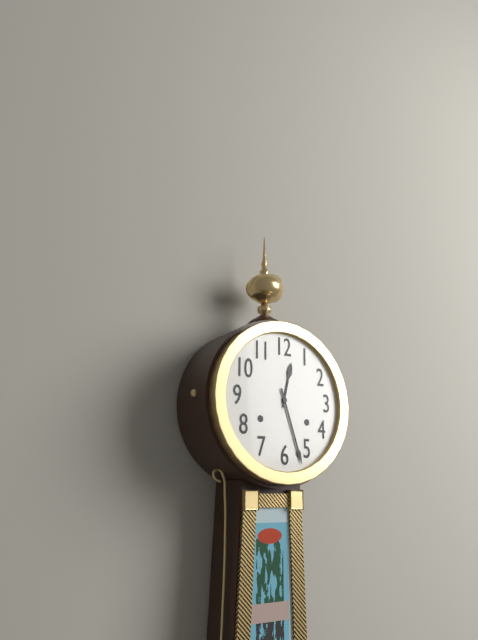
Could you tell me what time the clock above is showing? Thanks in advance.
12:27
